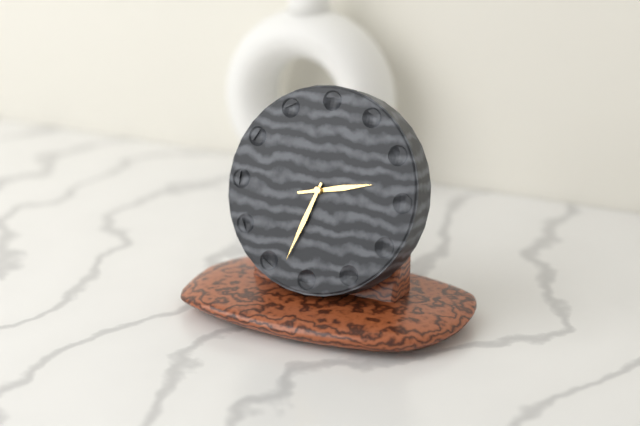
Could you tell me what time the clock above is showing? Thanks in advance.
2:33
